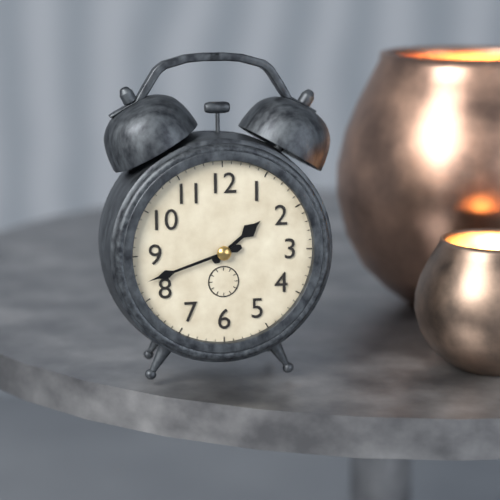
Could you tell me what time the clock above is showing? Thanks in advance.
1:42
